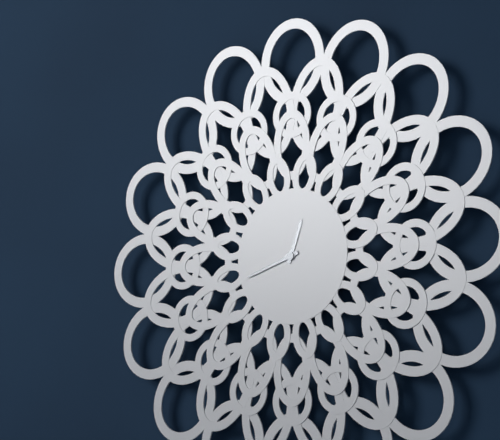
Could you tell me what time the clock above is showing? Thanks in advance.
12:42
